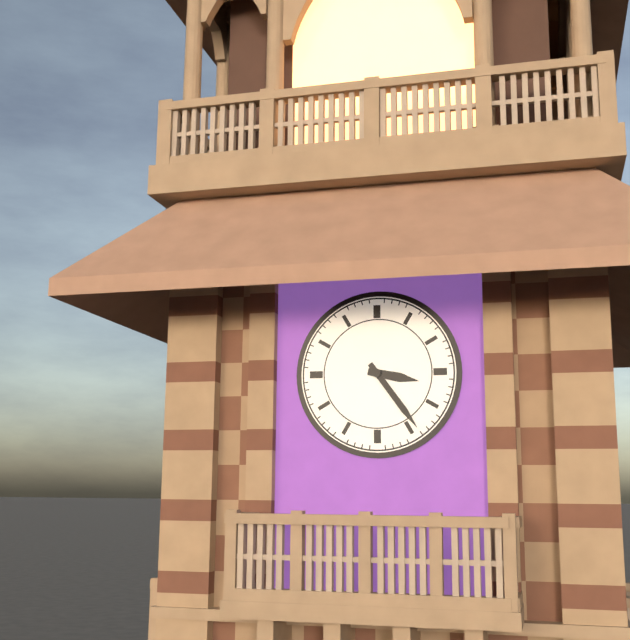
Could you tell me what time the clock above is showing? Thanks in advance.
3:24
